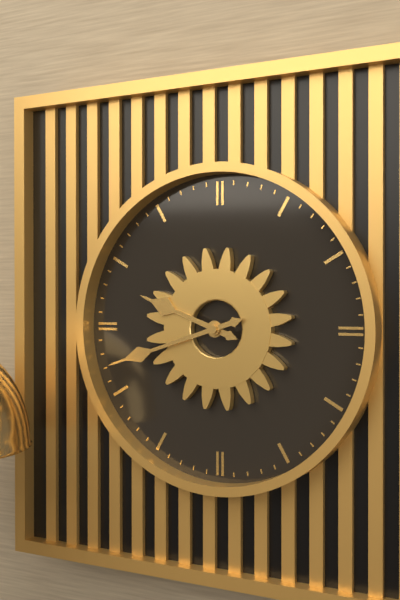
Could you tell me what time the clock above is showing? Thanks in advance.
9:42
